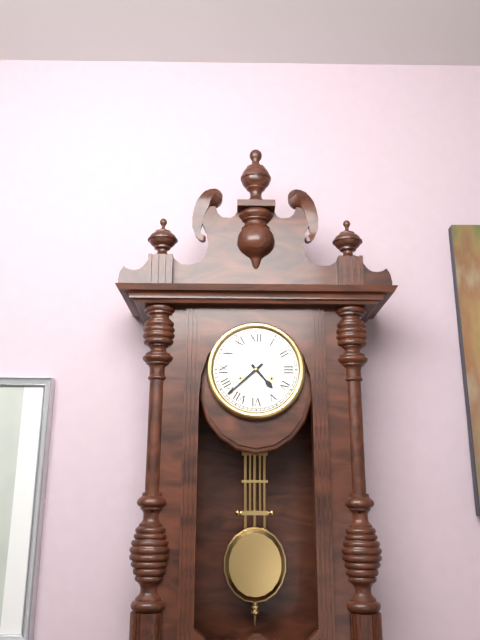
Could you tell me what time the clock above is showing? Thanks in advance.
4:38
